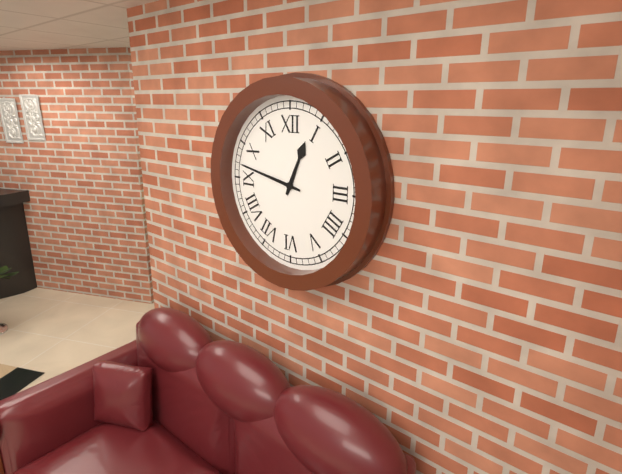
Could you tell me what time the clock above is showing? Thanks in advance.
12:47
